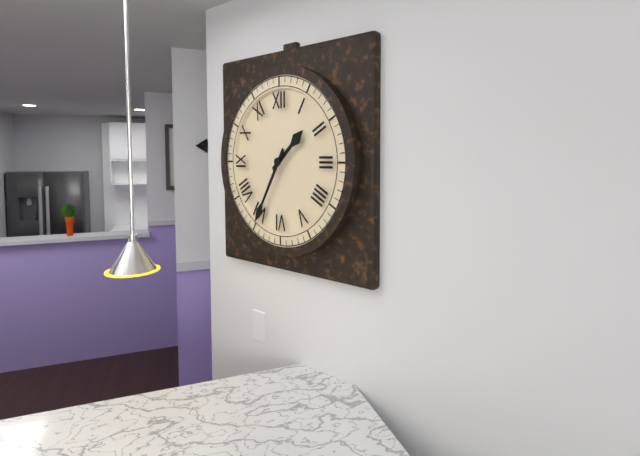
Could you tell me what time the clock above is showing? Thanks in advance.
1:35
